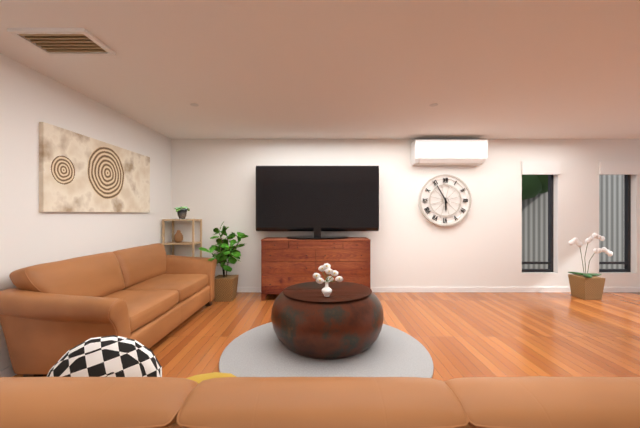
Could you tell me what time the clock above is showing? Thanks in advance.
5:55
